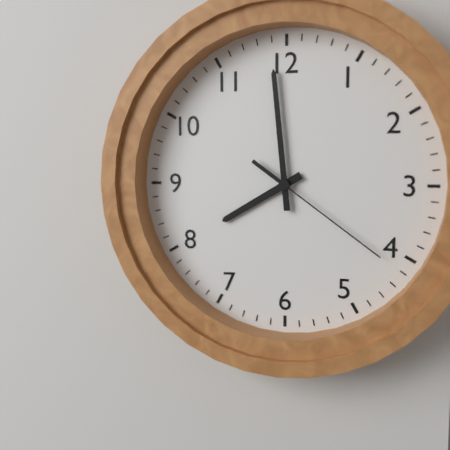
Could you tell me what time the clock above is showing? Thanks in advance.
7:59:21
